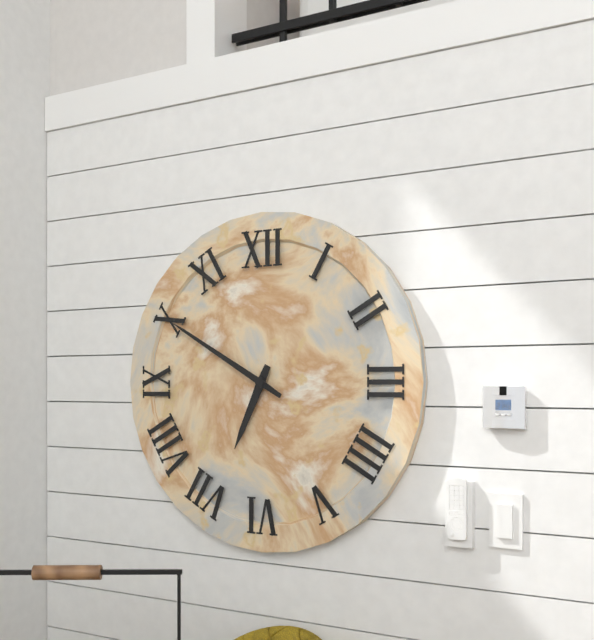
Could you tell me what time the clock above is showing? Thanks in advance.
6:50
